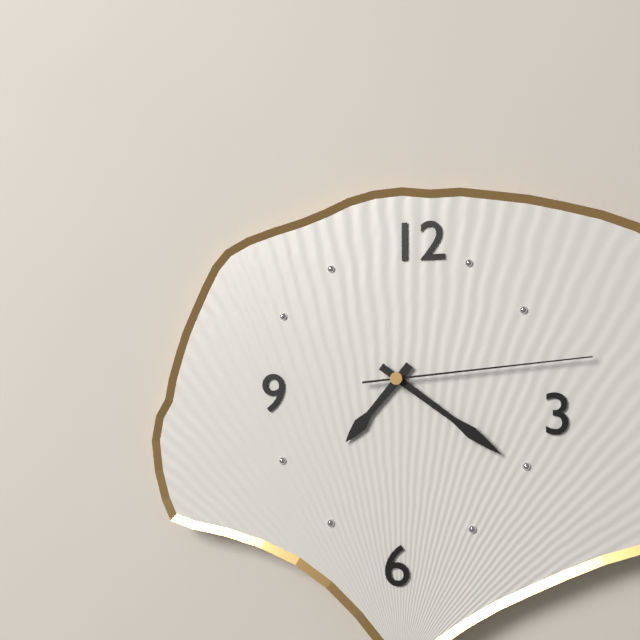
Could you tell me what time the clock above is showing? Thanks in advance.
7:21:14
